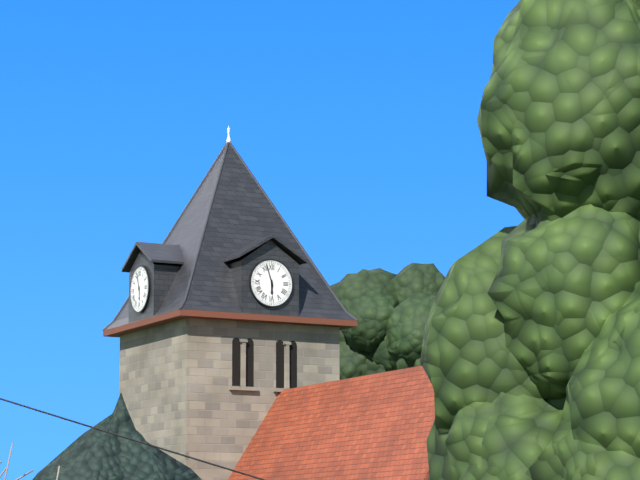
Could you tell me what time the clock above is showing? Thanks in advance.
5:57
